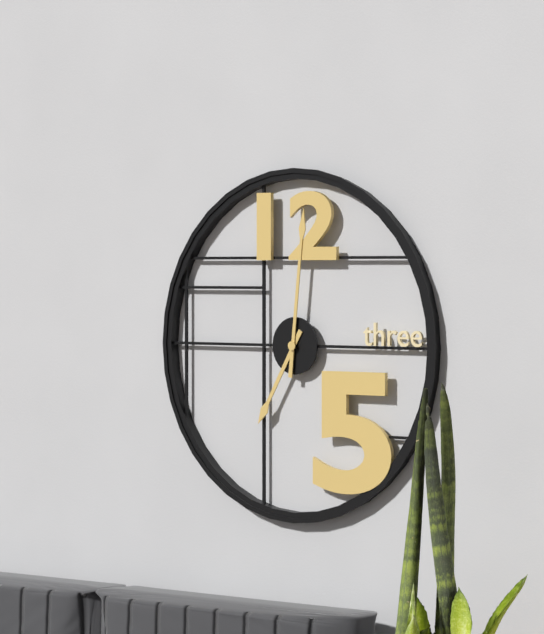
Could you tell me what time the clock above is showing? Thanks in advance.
7:01
